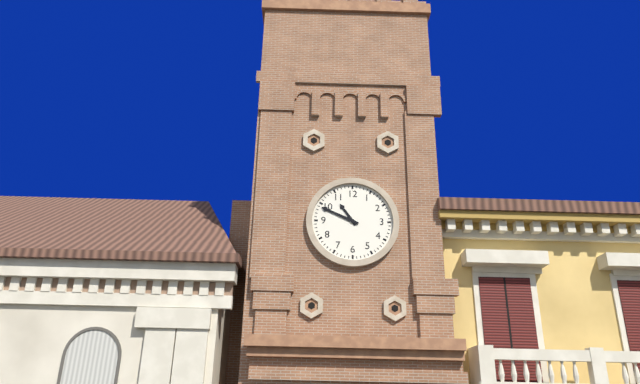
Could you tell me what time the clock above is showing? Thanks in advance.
10:49
